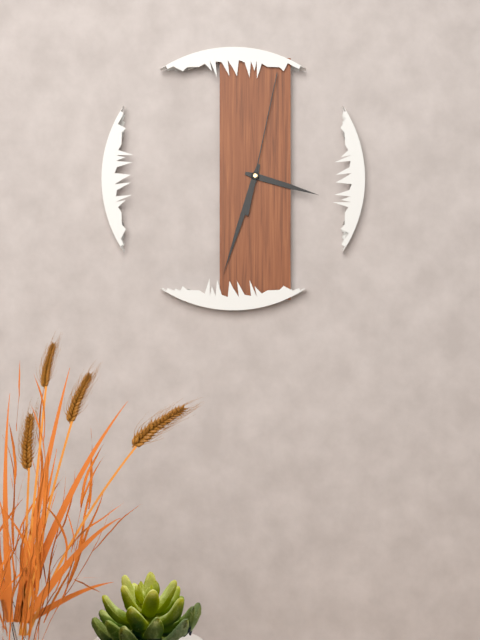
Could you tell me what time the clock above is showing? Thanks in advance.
3:33:02
